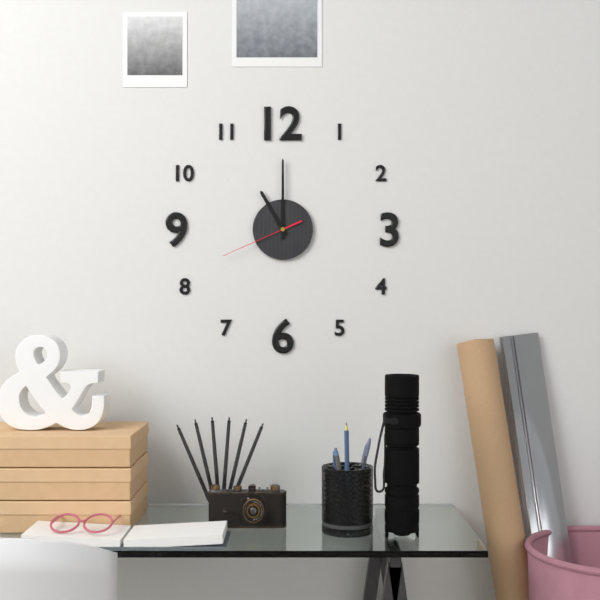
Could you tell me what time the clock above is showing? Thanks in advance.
11:00:41
